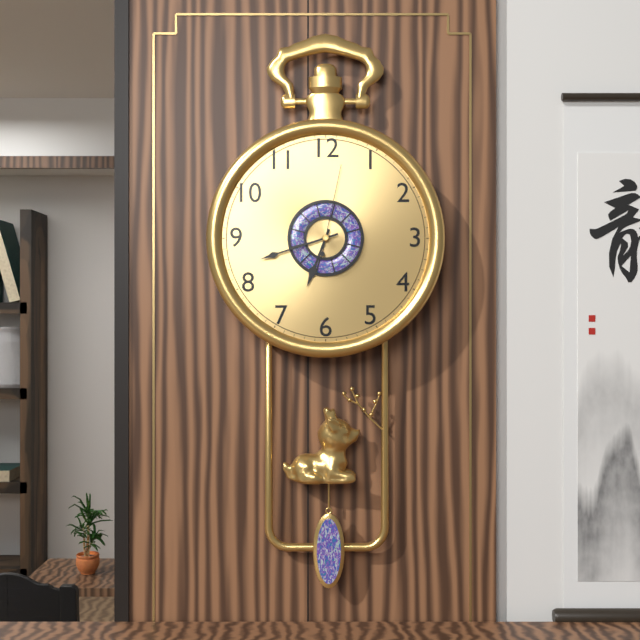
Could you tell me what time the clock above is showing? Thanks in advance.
6:42:02
